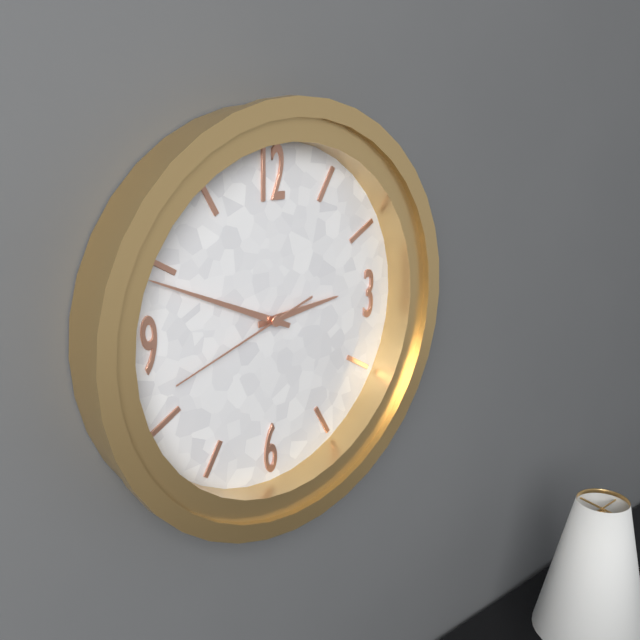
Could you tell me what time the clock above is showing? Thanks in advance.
2:49:42
